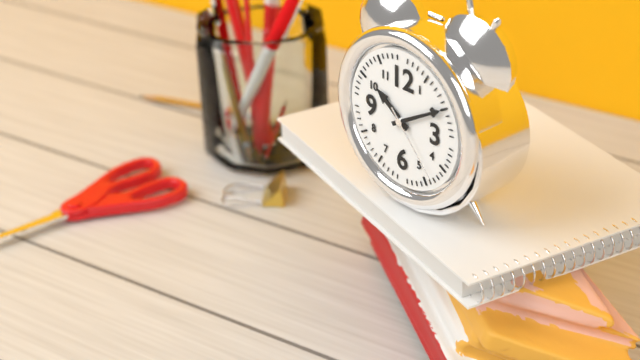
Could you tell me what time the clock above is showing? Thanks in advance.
10:10:23
